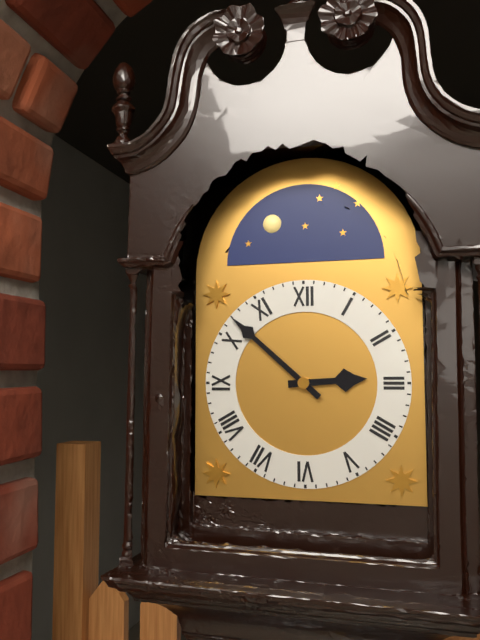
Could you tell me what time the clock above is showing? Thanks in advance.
2:52
